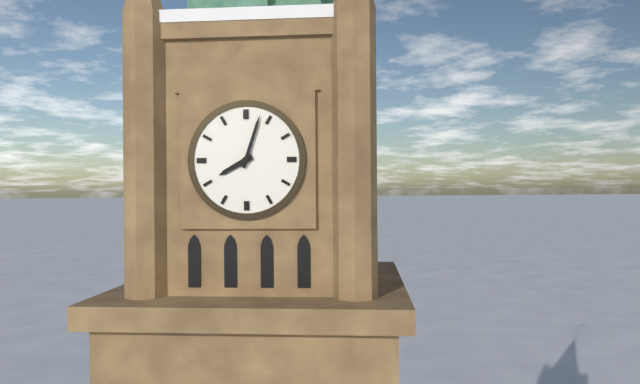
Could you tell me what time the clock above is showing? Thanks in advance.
8:03
